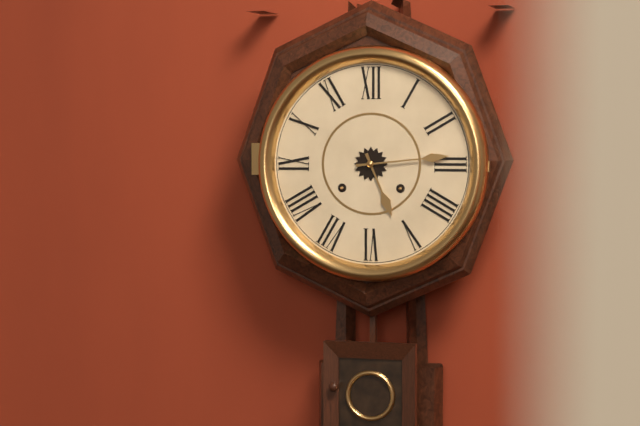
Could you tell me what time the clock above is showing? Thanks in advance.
5:14
